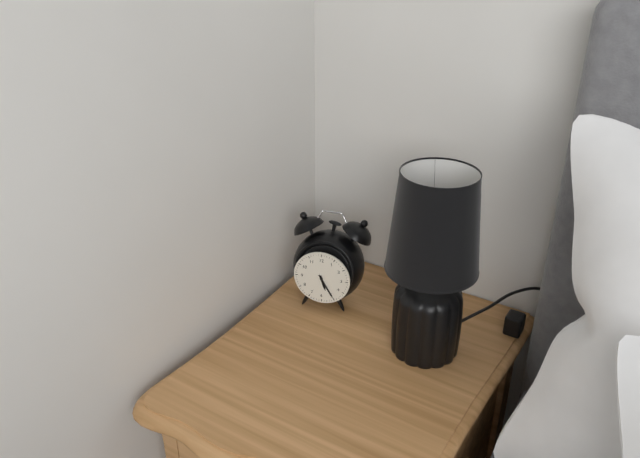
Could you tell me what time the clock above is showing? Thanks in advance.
5:25
